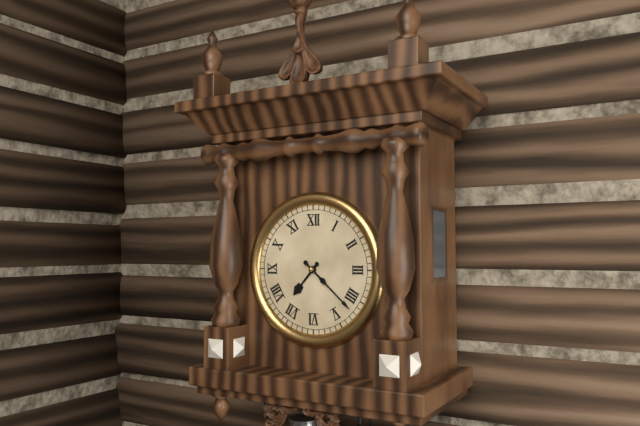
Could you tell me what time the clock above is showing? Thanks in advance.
7:22
